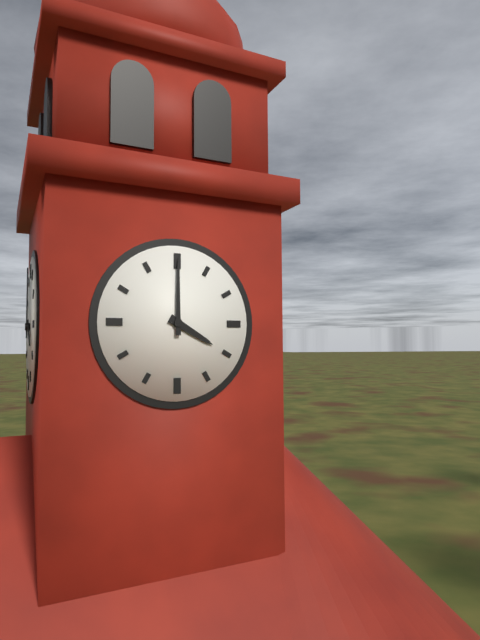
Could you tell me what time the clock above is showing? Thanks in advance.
4:00
